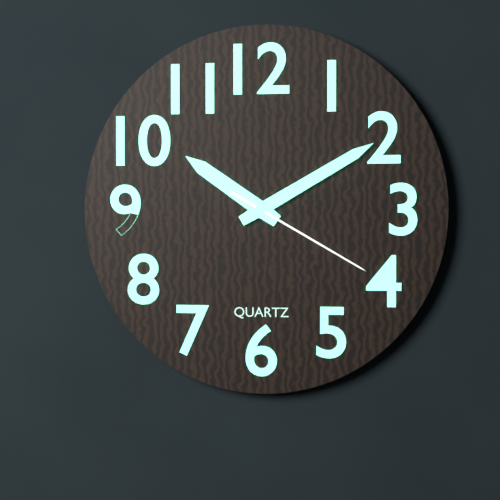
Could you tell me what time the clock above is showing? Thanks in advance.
10:10:20
